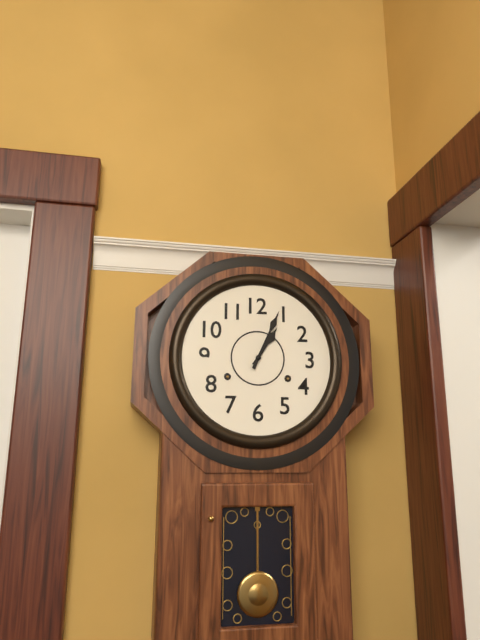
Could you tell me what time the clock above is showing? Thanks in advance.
1:04
